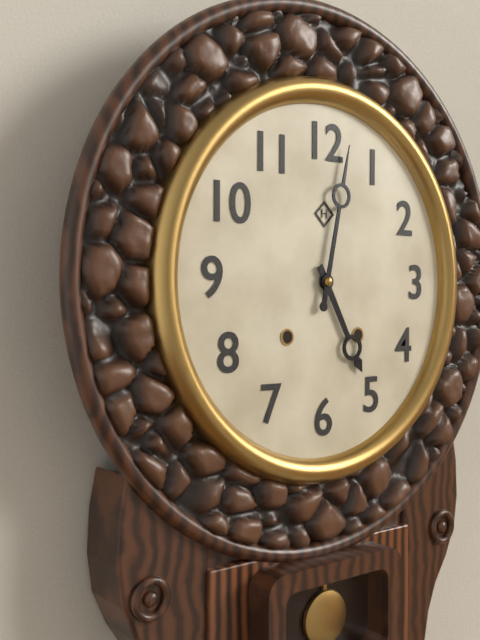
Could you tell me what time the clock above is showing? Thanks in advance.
5:02
